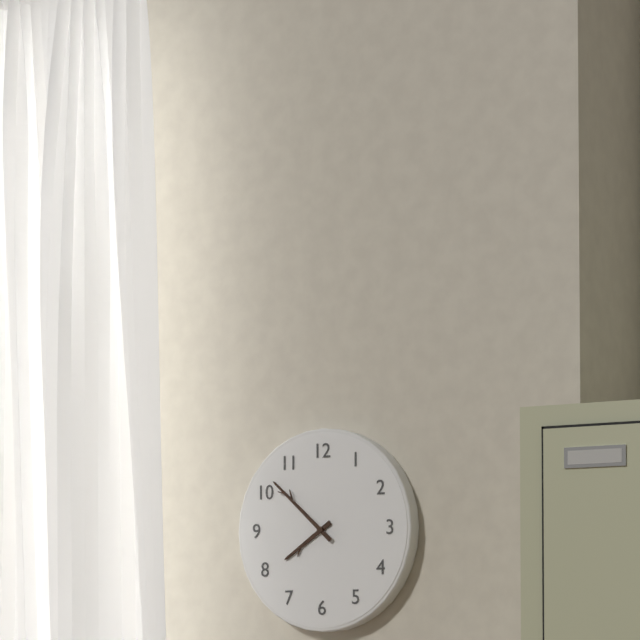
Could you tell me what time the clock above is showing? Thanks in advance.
7:52
